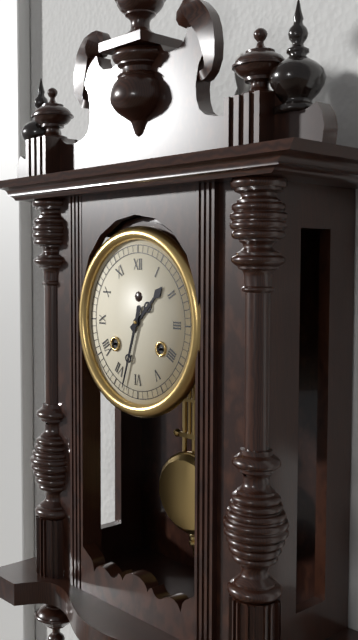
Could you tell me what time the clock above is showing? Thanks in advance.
1:33
